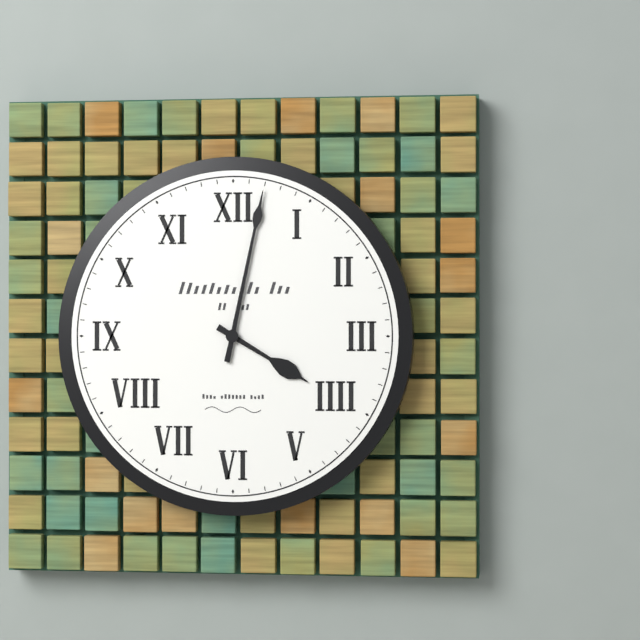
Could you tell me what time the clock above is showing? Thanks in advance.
4:02
